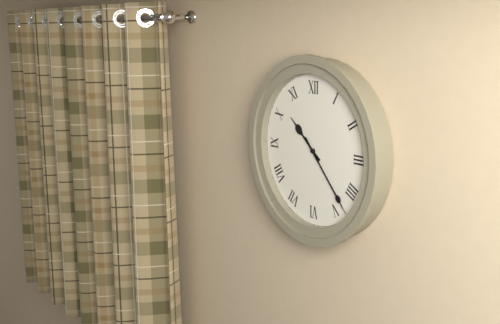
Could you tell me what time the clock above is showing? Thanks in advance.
10:23
